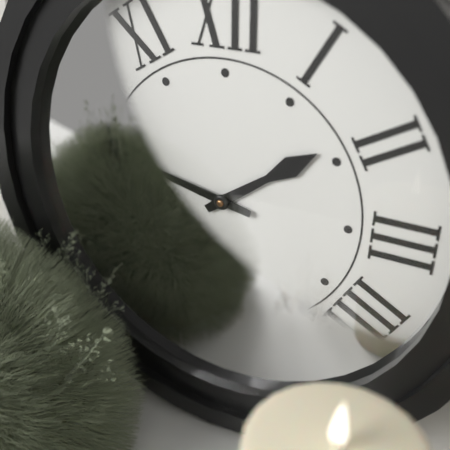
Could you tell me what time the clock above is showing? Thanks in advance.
1:47
